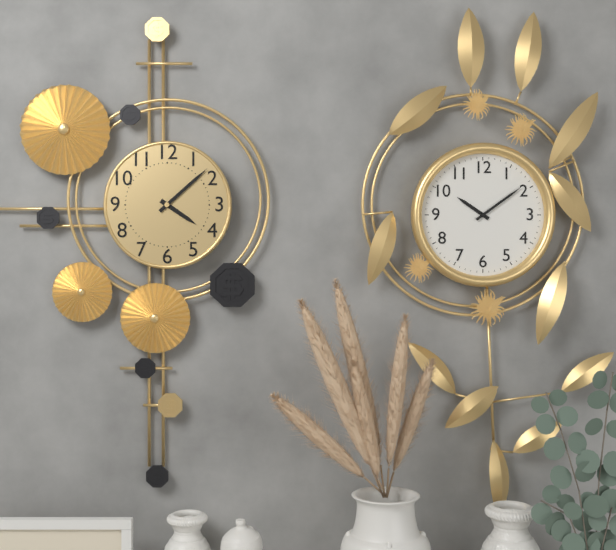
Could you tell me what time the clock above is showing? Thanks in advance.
4:08
